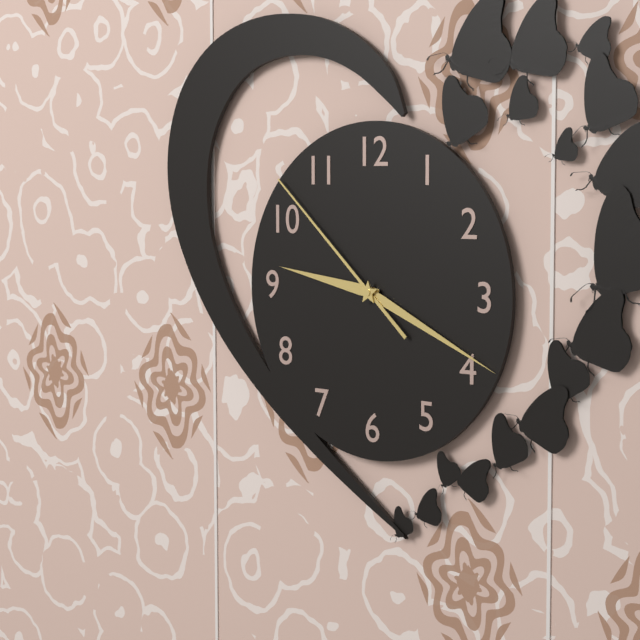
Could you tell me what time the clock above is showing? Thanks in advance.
9:19:52
